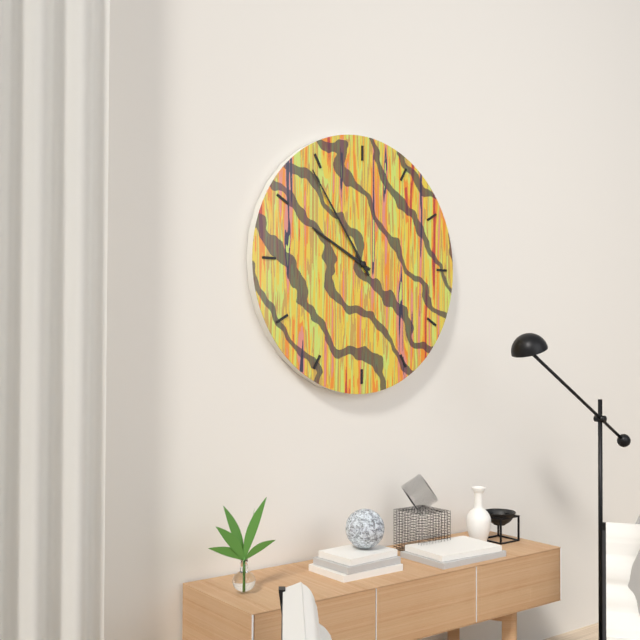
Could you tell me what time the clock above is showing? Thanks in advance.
9:54
